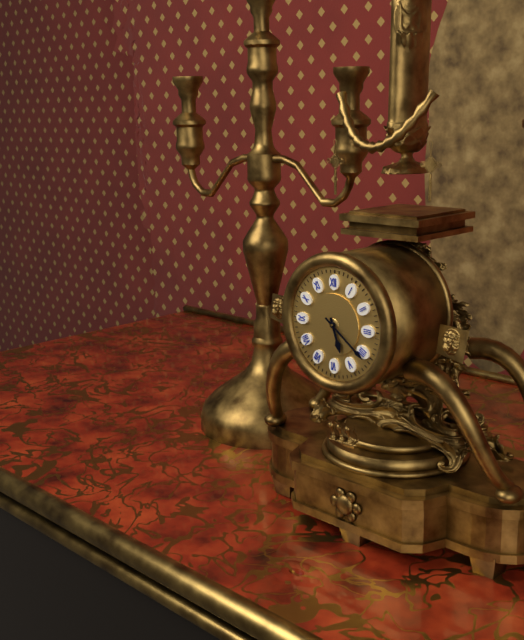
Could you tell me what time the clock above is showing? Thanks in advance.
5:21
